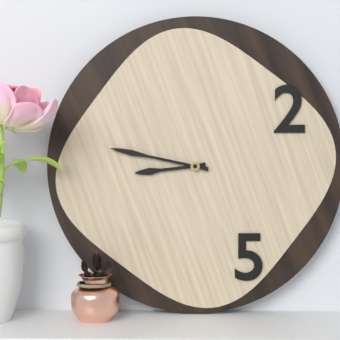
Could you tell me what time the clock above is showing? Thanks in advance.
8:47
